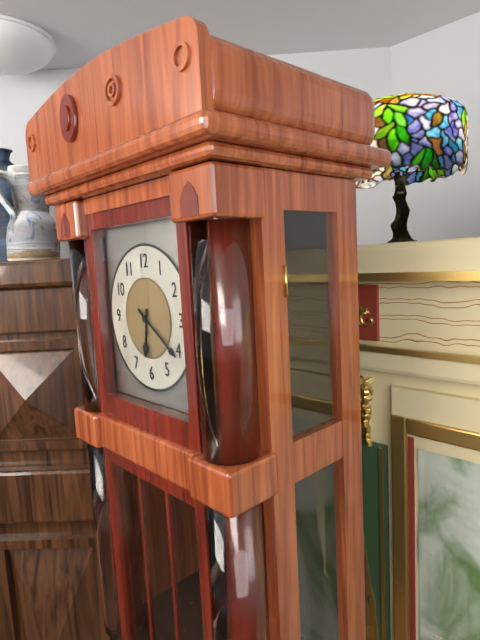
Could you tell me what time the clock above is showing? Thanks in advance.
6:21
